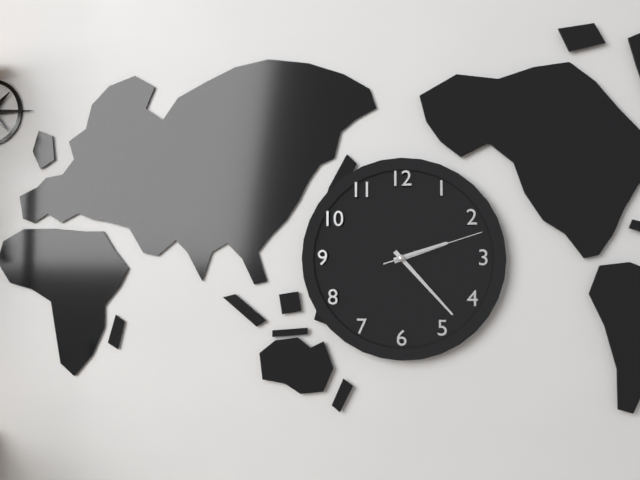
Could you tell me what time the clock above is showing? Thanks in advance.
2:23:12
